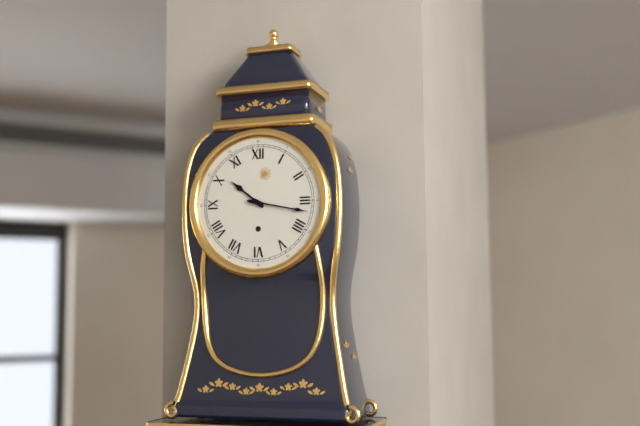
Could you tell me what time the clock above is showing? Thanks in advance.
10:17
